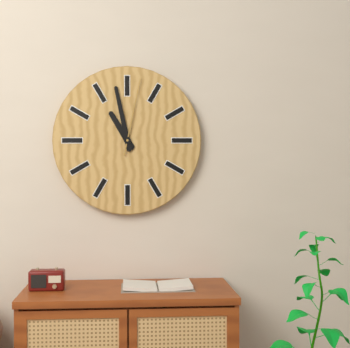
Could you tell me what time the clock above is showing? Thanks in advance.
10:58:02
